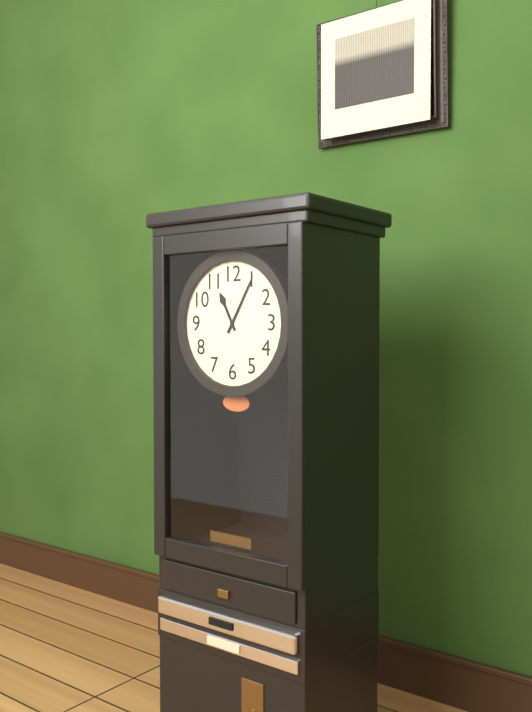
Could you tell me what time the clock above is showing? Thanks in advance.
11:05
